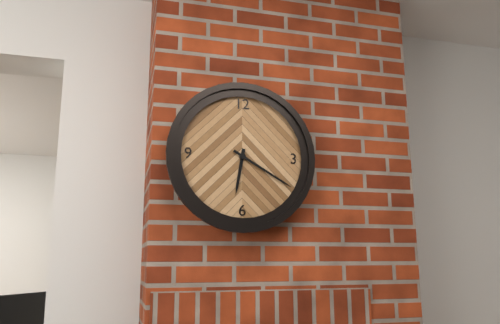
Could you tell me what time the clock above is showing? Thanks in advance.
6:20
